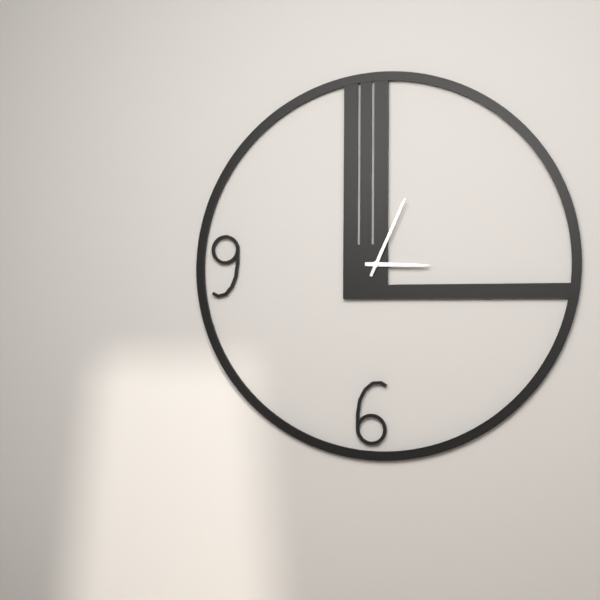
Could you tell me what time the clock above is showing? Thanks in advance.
3:04
